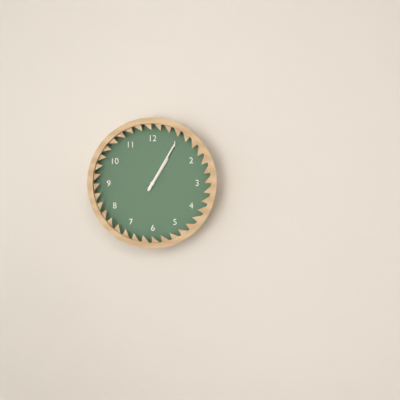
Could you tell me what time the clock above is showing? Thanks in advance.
1:05
